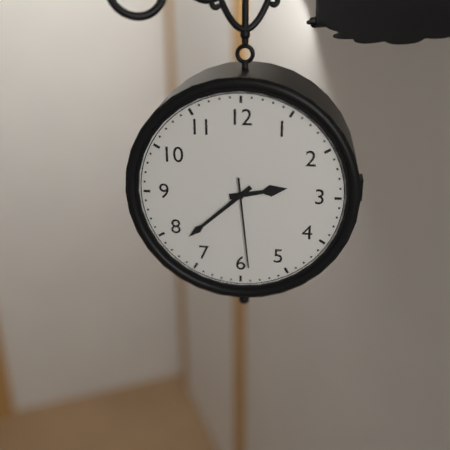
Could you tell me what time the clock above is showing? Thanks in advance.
2:38:29
